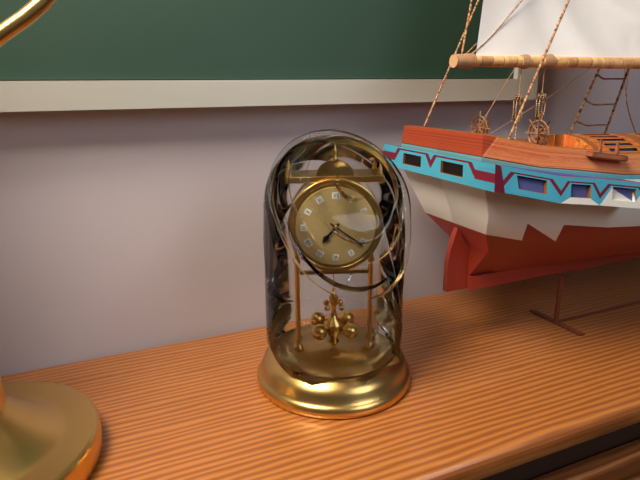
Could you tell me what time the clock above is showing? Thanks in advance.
7:21
